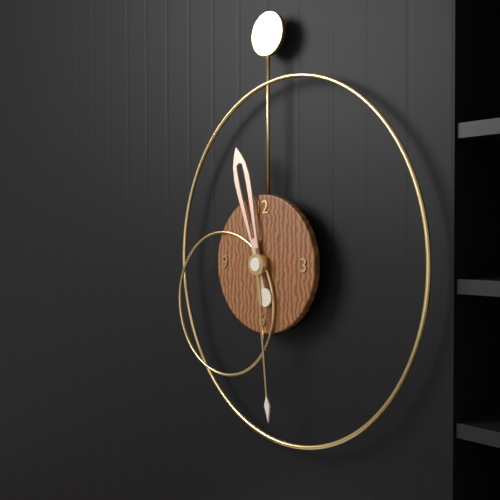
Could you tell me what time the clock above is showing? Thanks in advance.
11:29
